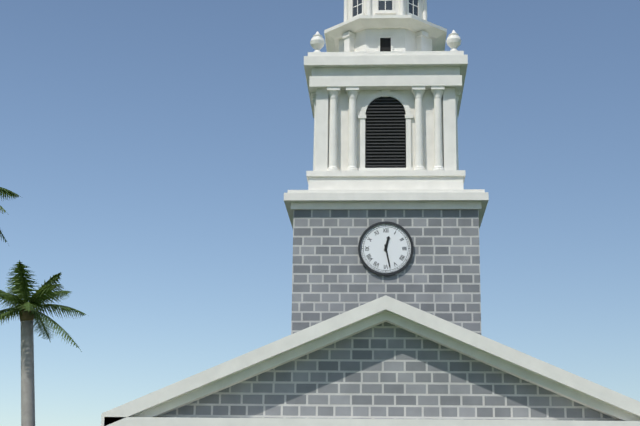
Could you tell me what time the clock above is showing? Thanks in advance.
12:28
